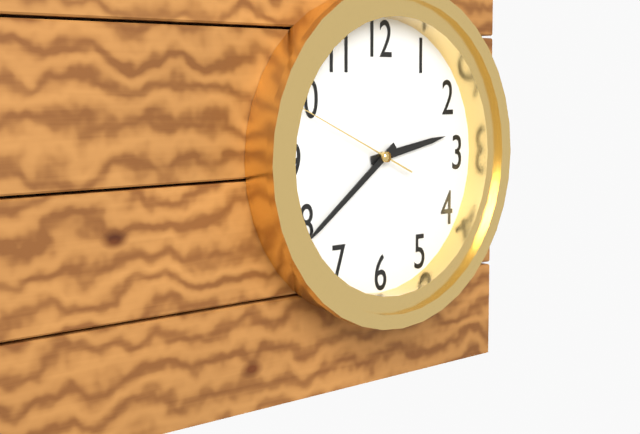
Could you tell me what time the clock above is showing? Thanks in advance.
2:39:49
